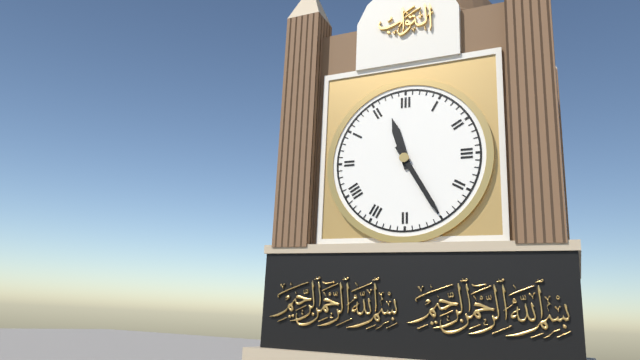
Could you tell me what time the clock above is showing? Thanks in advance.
11:25
